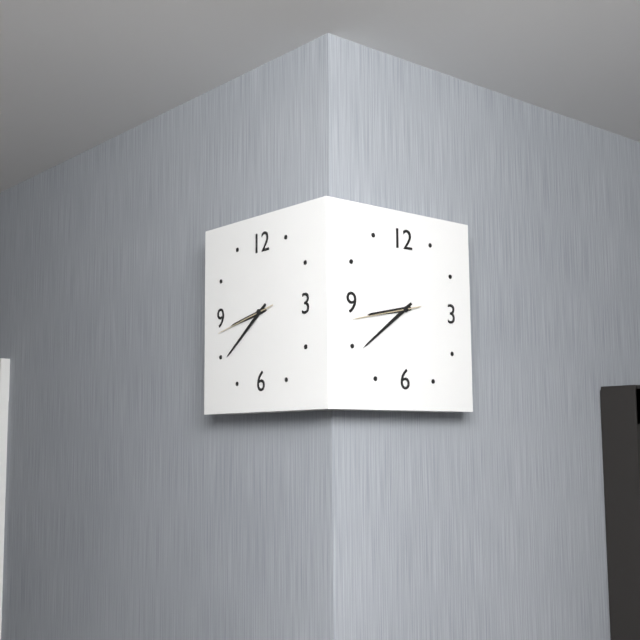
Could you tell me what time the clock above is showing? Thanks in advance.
8:39:43
